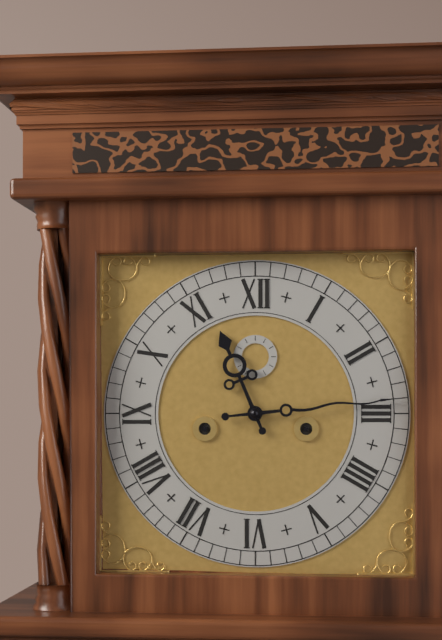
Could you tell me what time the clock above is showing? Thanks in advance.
11:14
